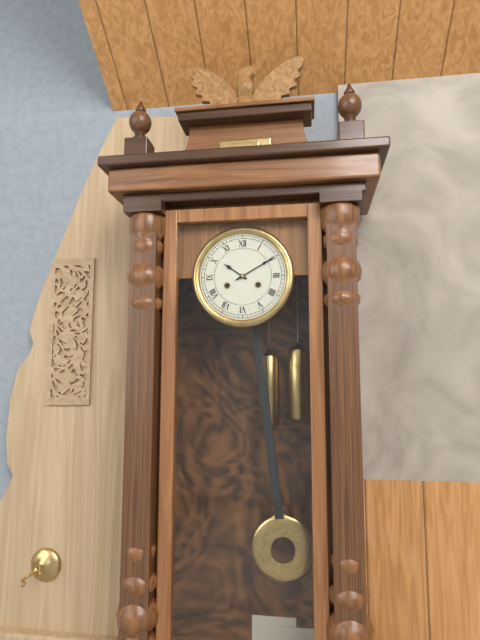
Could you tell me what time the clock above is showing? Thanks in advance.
10:10
